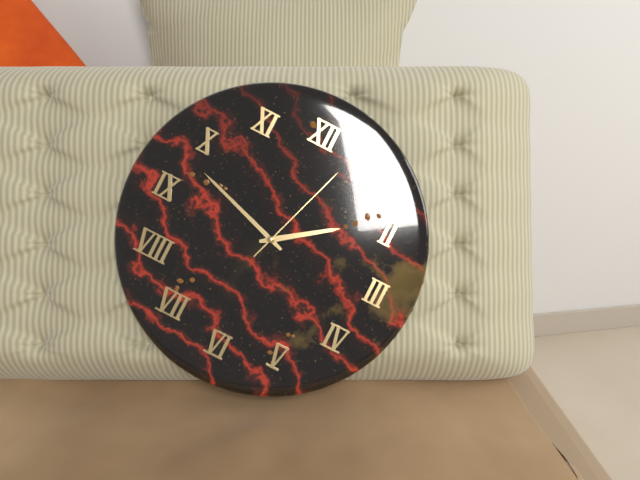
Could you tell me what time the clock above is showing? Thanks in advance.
1:48:03
